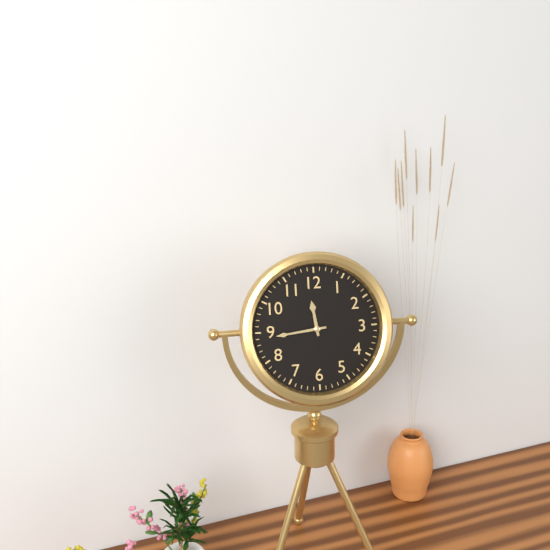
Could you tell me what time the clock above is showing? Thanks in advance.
11:44
